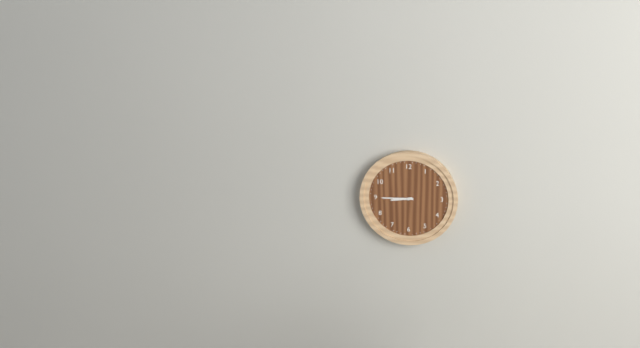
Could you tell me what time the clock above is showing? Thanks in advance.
8:45
